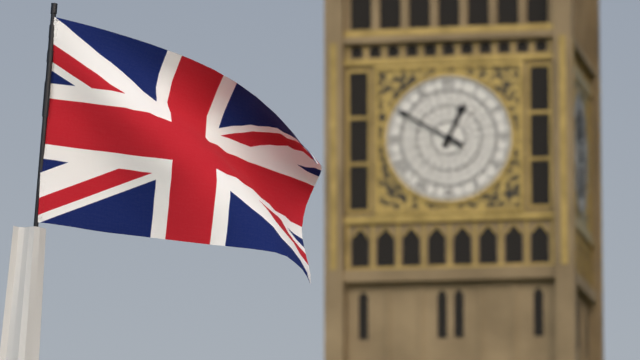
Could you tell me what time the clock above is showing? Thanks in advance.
12:50
